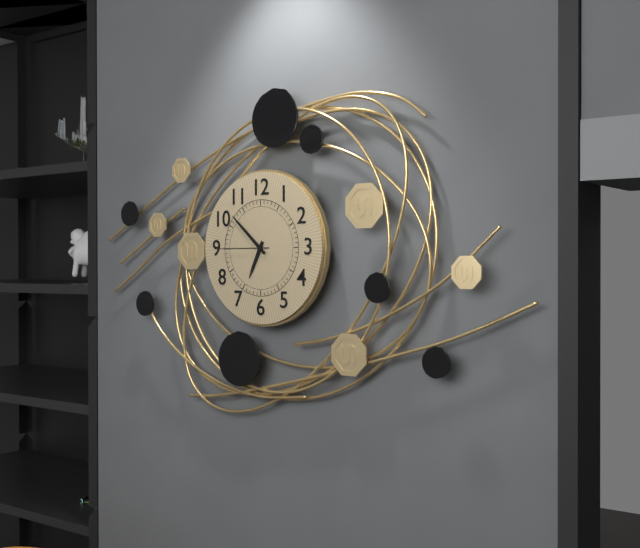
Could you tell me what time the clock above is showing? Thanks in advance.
6:52:45
